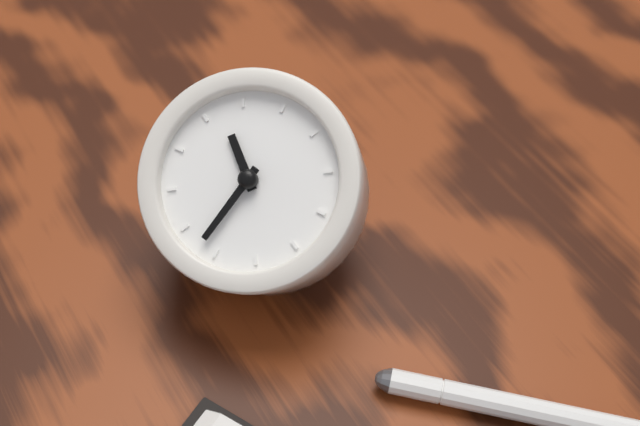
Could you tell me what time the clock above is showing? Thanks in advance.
9:27
